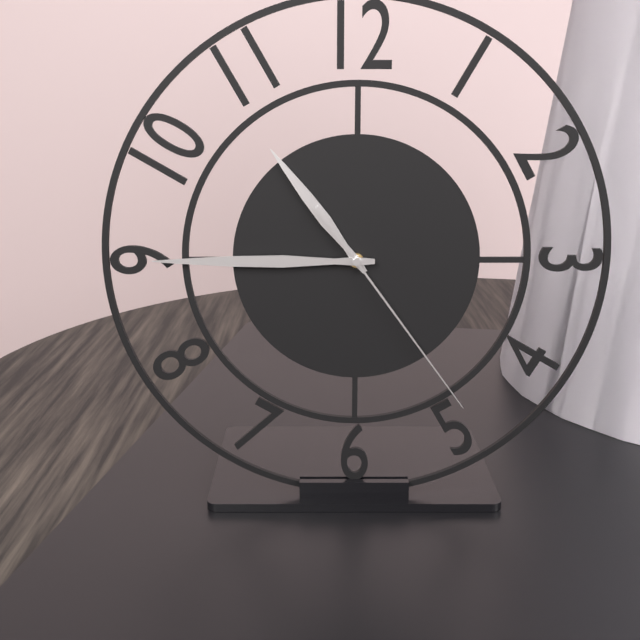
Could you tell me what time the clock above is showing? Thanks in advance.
10:45:24
